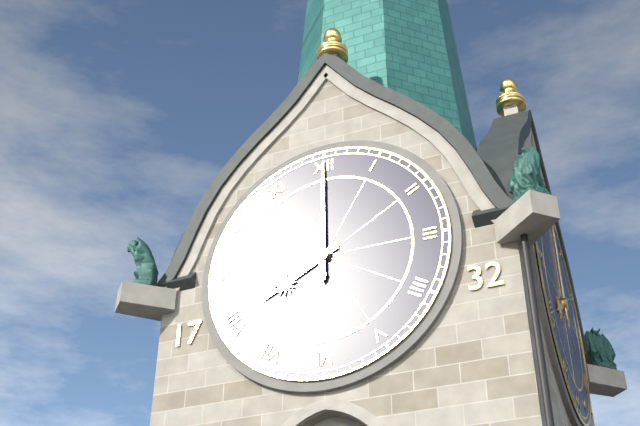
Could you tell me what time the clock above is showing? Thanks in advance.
8:00
